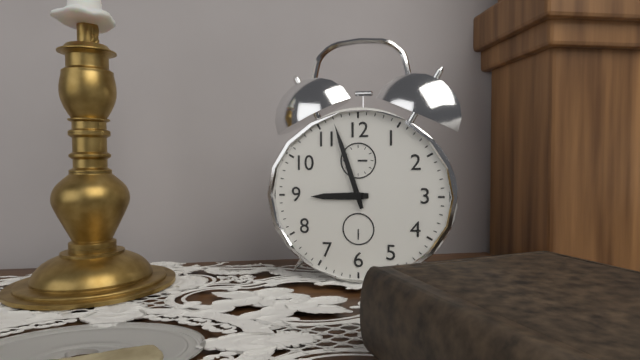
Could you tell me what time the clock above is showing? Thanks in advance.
8:57
